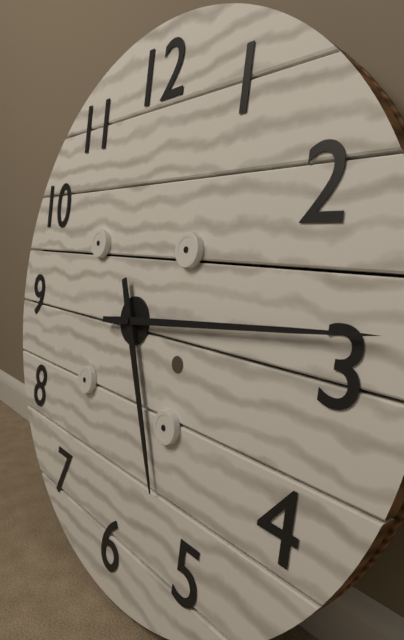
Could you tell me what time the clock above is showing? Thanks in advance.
5:14
